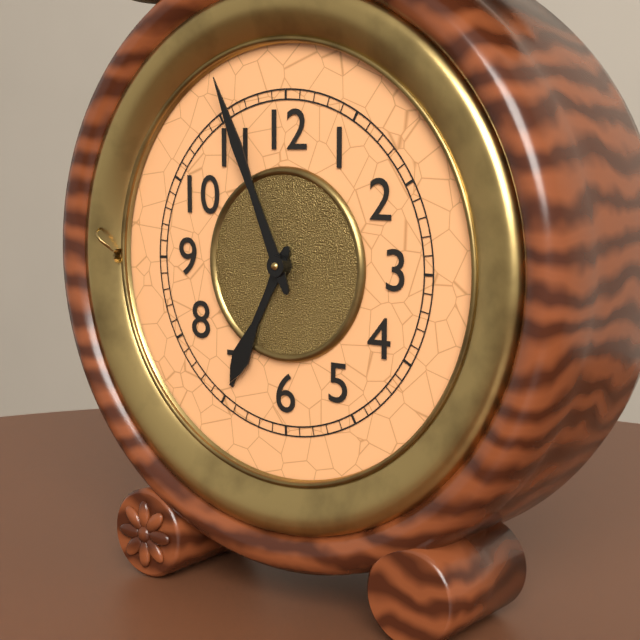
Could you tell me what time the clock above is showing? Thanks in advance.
6:56
